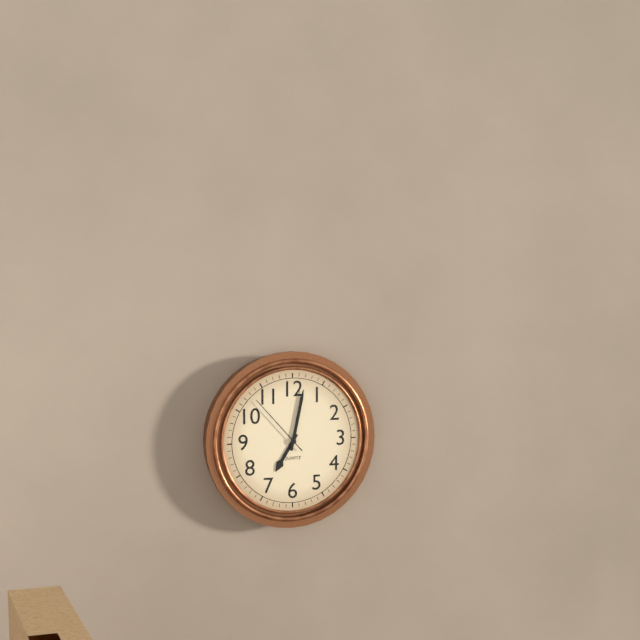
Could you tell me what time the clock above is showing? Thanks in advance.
7:02:53
